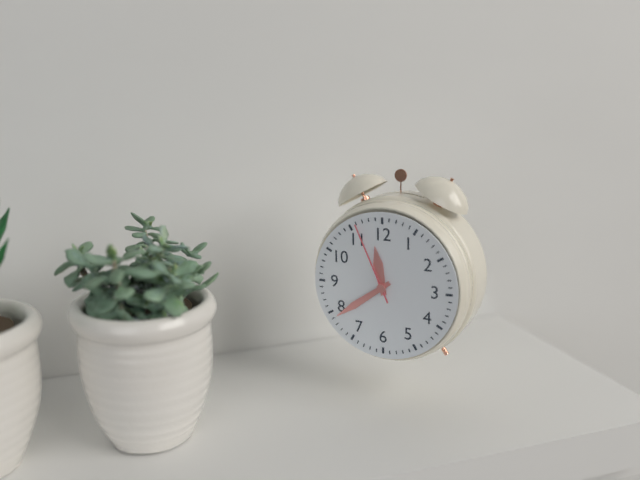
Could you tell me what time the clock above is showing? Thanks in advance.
11:39:56
